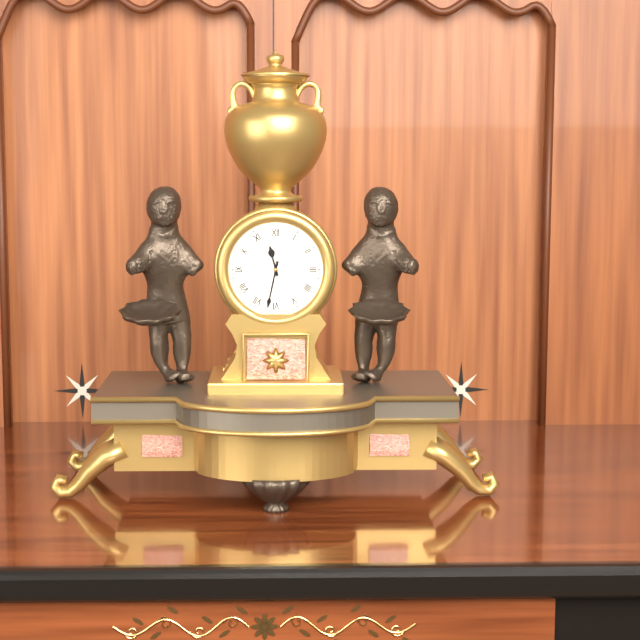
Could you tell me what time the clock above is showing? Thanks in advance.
11:32
